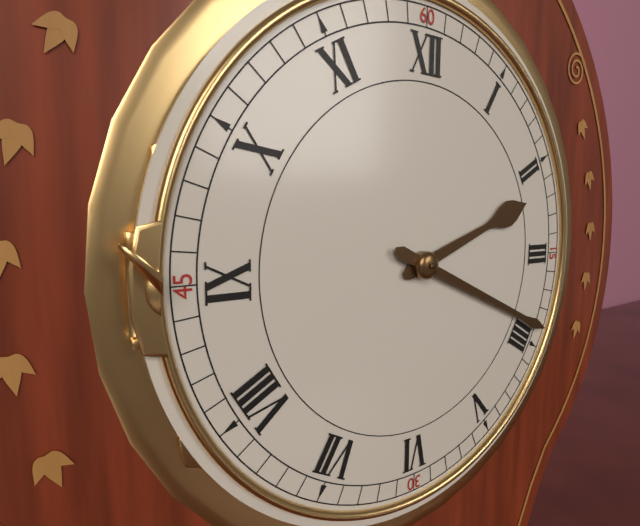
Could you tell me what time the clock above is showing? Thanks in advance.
2:19
